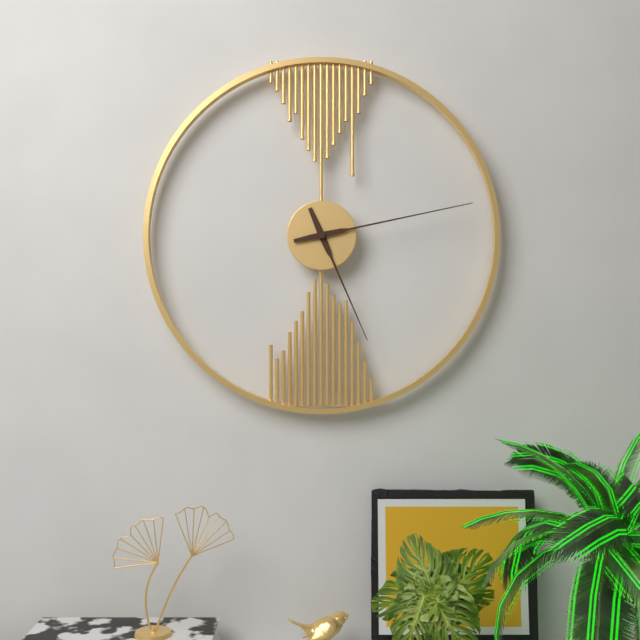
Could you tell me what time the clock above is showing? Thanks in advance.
5:13
